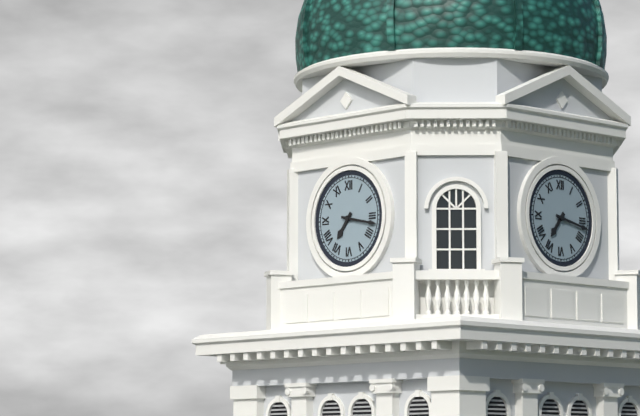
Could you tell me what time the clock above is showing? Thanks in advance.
7:17
